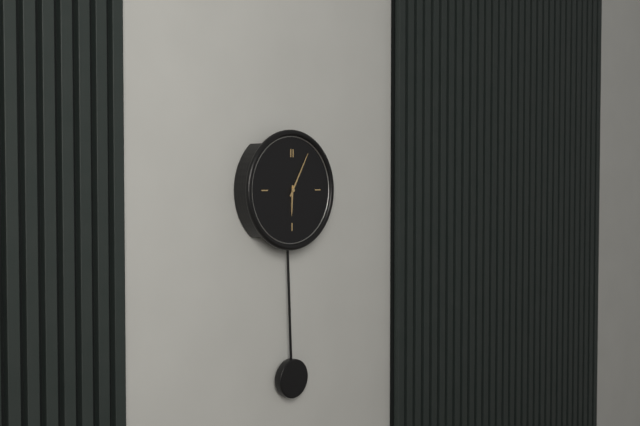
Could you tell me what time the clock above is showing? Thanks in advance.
6:05
